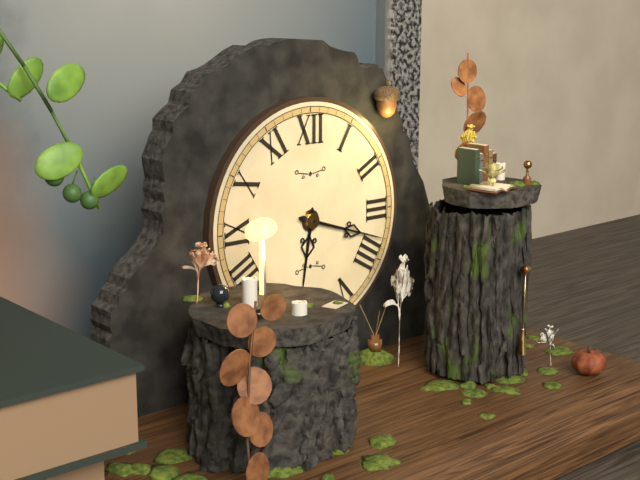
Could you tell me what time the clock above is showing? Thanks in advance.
6:18
